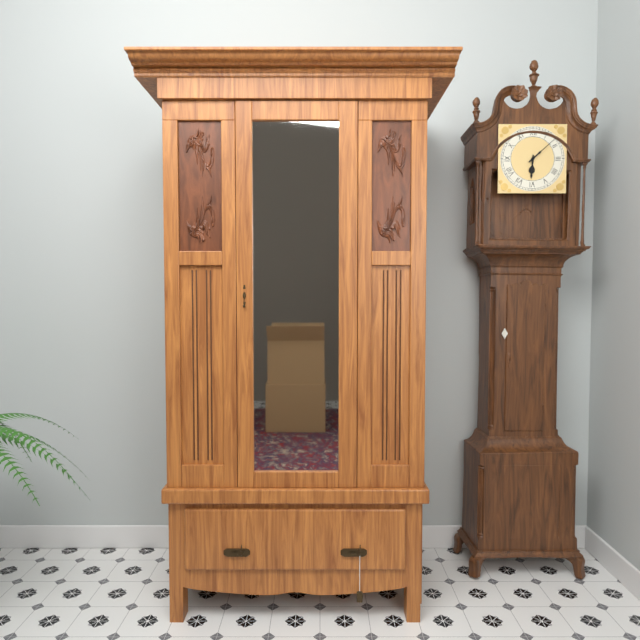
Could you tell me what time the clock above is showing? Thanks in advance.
6:08
